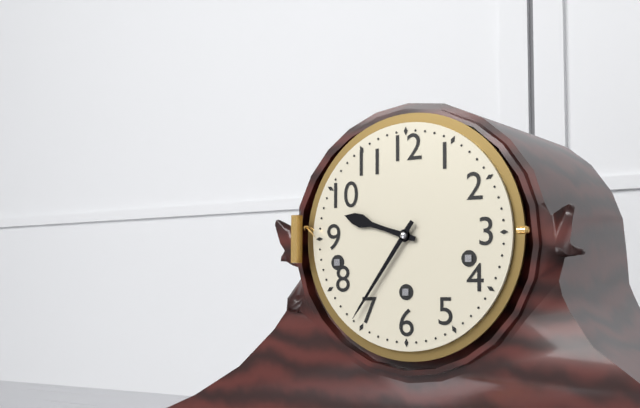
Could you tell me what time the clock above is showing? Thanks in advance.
9:36
